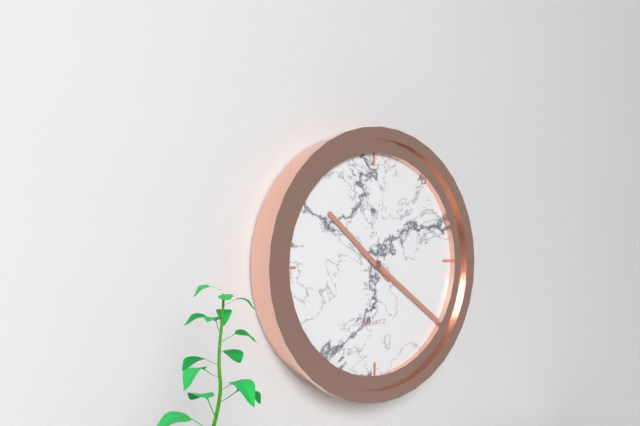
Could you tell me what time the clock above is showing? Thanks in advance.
10:21
